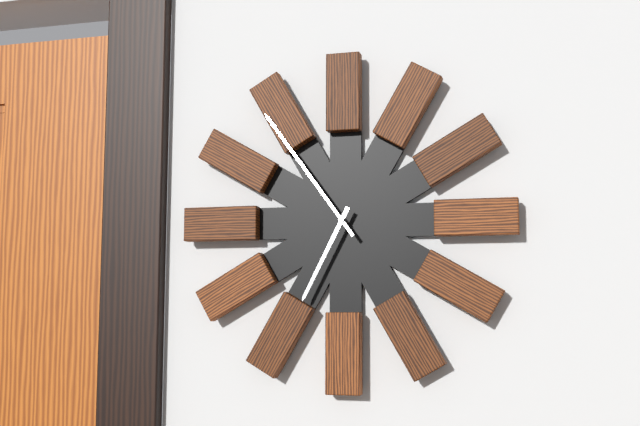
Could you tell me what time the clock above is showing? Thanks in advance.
6:54
